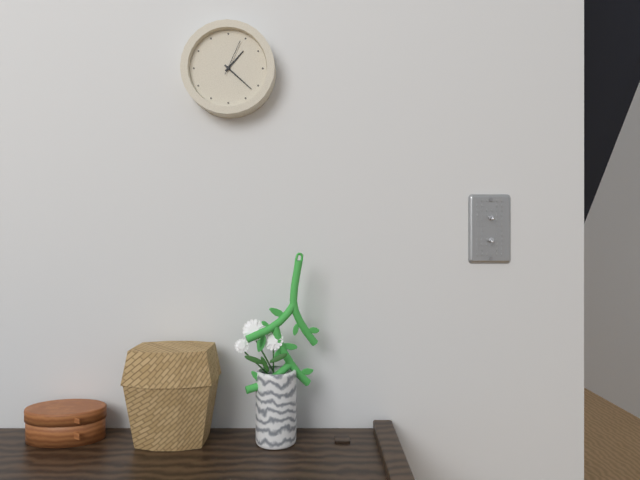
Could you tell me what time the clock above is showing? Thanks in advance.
1:22
